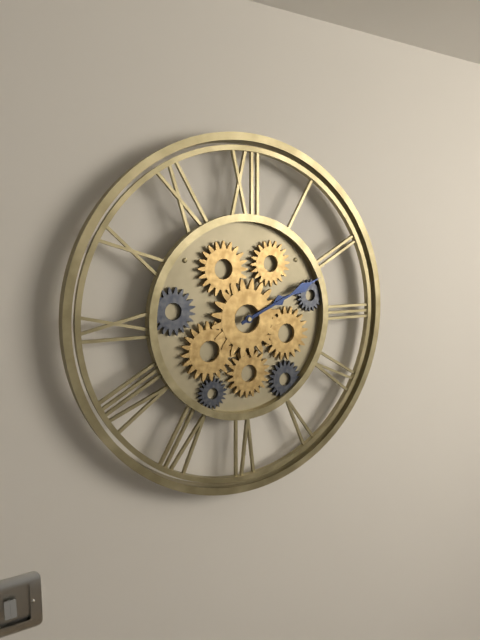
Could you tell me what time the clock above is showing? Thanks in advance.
2:11
